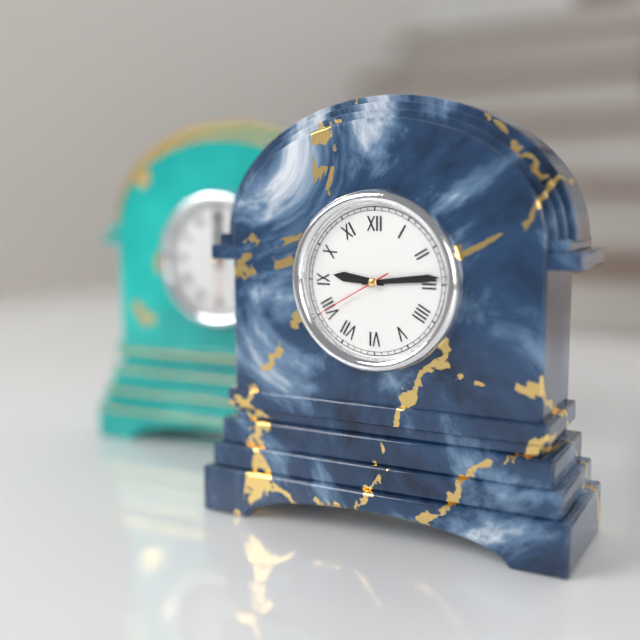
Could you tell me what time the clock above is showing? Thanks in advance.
9:14:40
